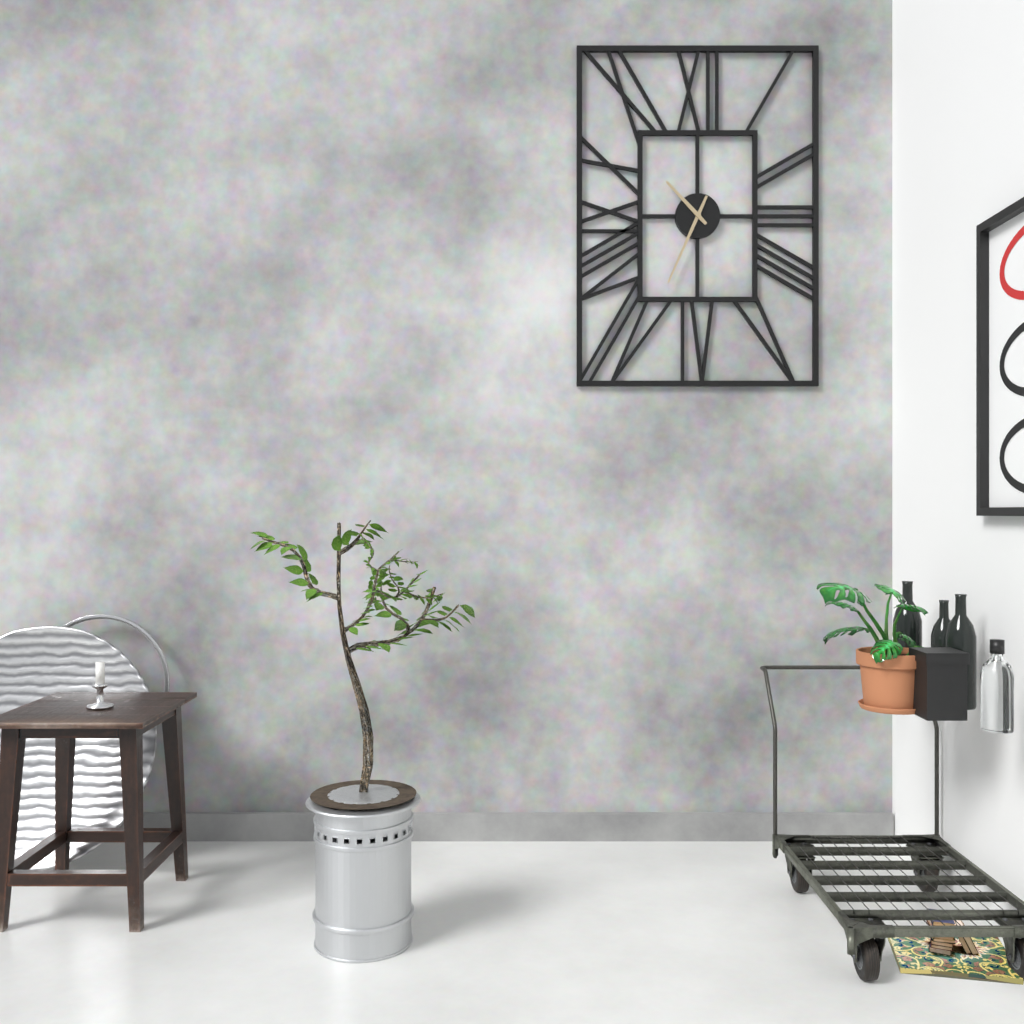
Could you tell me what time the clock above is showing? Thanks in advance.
10:34
